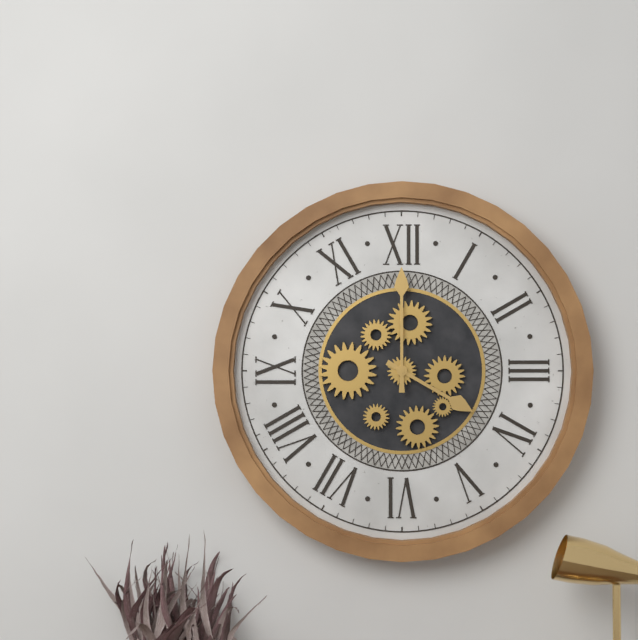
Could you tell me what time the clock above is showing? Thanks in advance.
4:00
